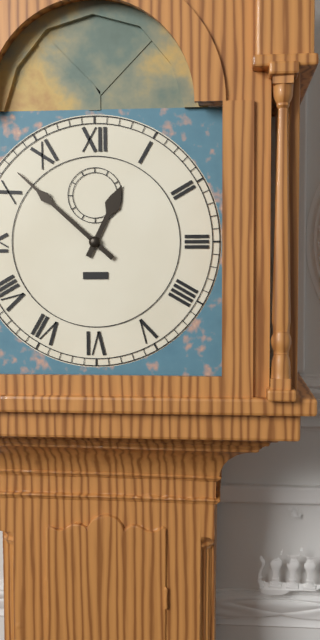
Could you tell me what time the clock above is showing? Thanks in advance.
12:52
